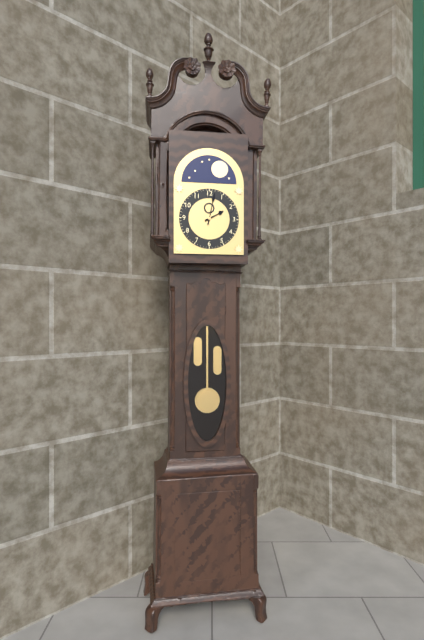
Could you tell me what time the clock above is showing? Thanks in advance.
2:02
